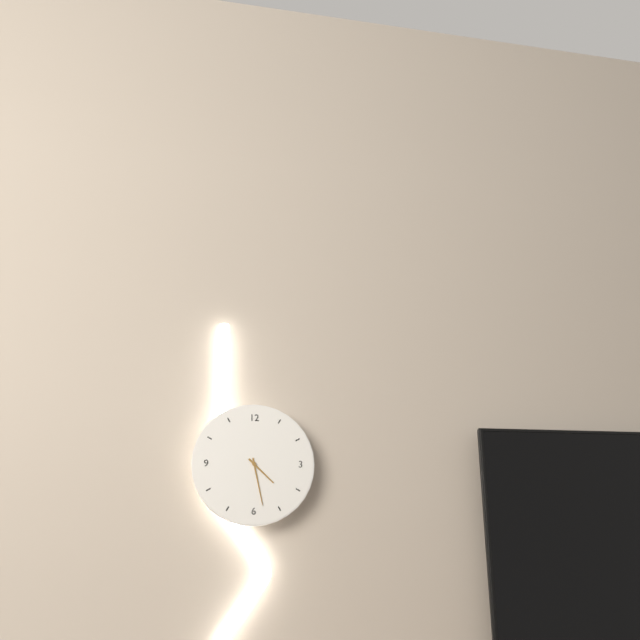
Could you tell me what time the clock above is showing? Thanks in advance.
4:28
